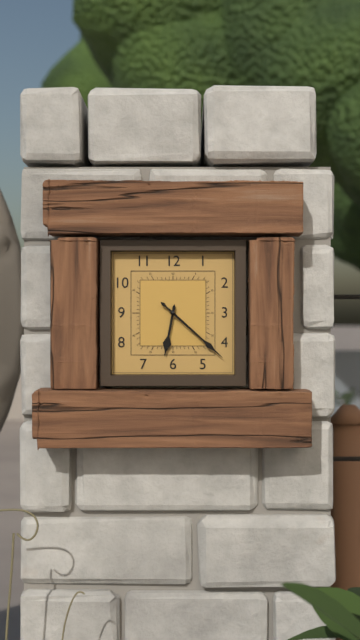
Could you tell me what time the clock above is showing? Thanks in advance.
6:22
